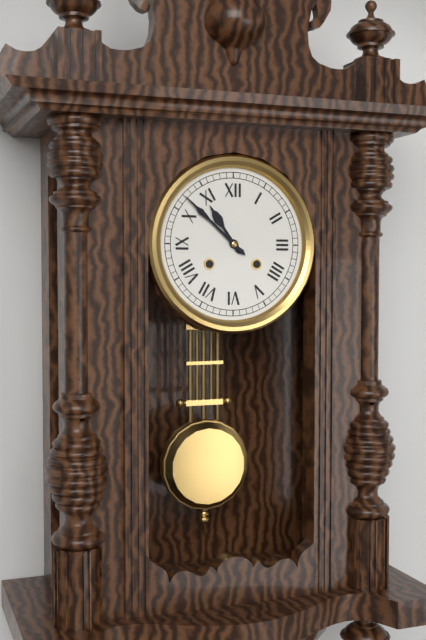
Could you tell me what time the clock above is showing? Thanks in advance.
10:52
